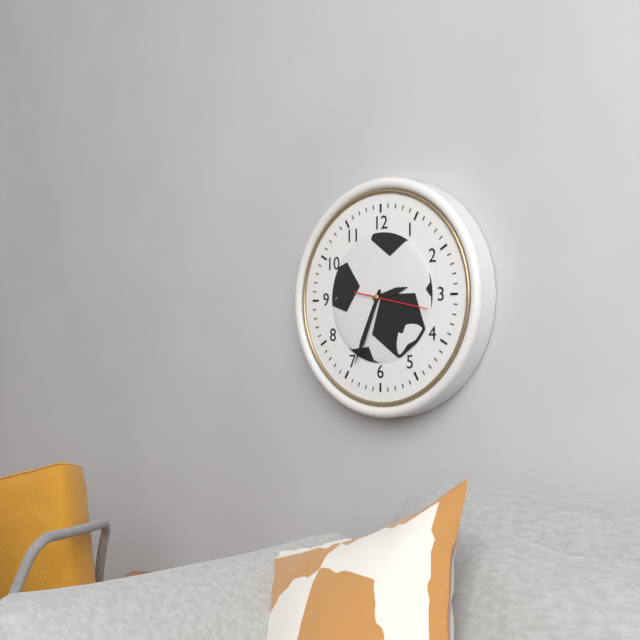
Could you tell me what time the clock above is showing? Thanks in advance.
2:34:17
